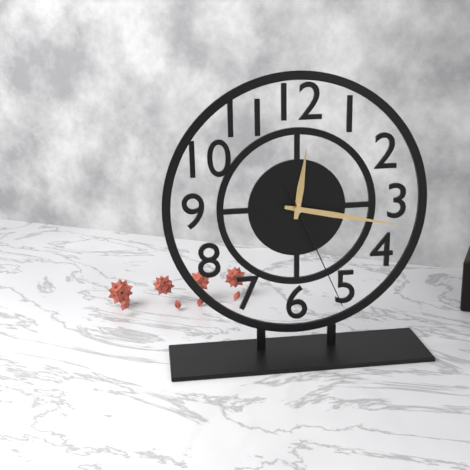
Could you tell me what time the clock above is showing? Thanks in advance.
12:17:26
